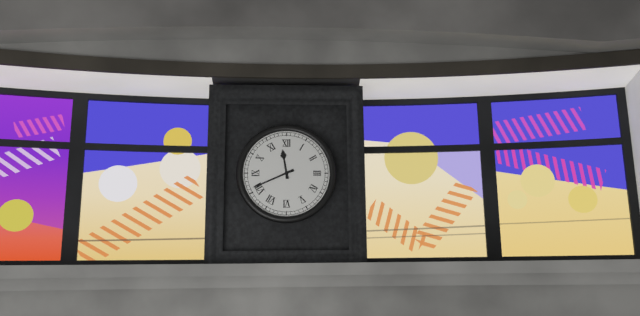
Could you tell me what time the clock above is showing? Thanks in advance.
11:41
